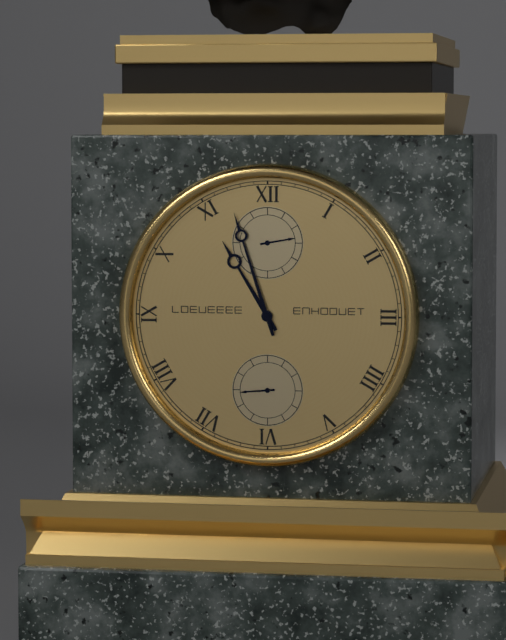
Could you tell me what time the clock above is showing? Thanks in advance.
10:57
